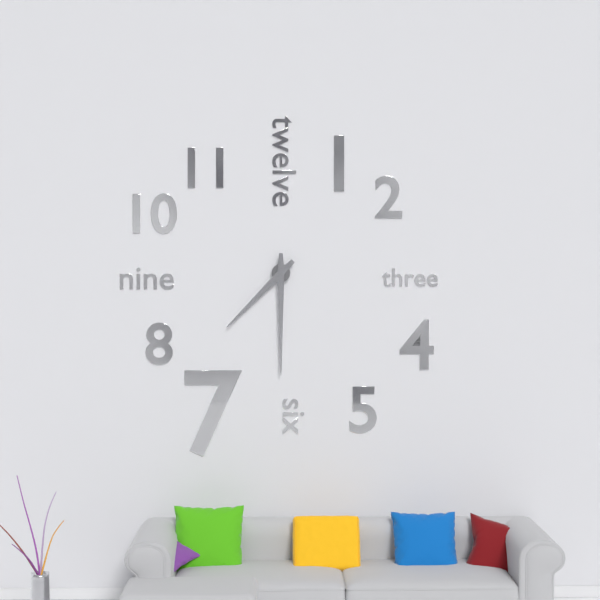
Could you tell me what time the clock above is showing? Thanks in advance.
7:30
